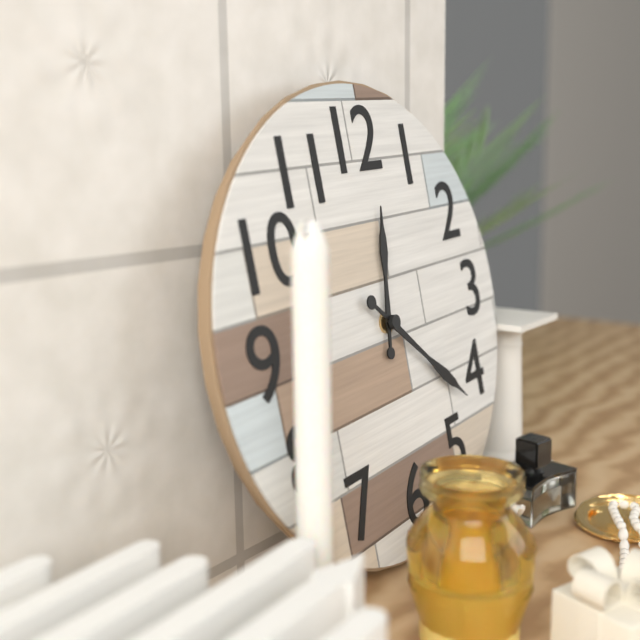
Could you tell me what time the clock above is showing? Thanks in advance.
12:22
